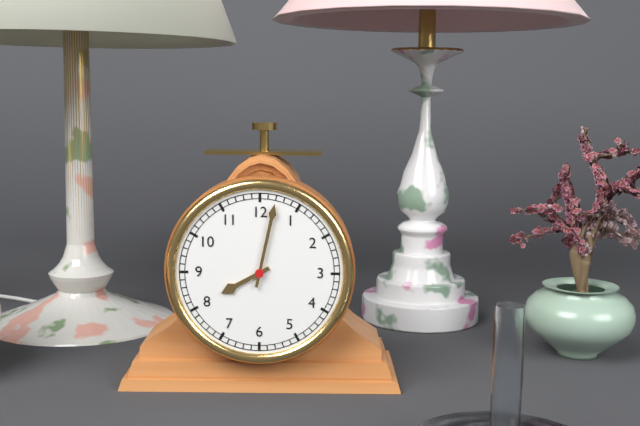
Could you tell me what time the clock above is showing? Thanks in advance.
8:02
